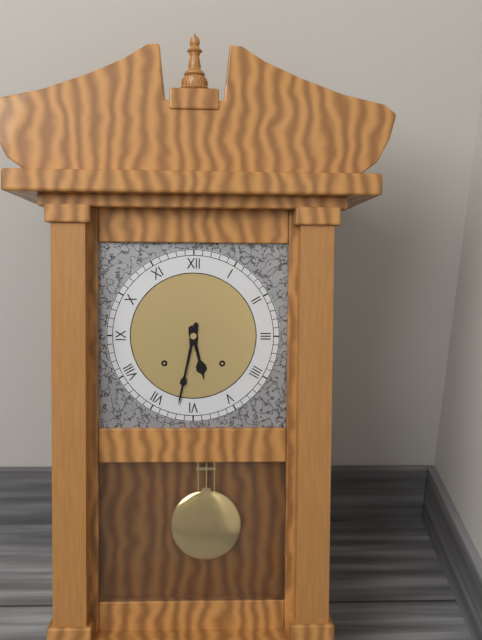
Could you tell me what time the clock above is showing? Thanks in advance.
5:32
